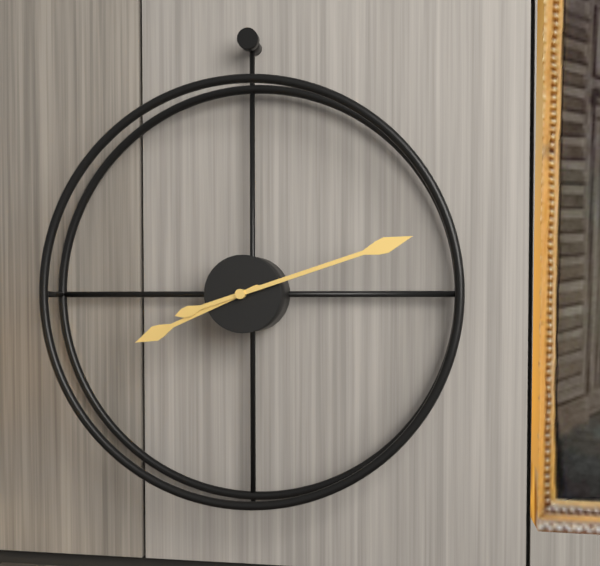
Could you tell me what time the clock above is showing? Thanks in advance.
8:12
